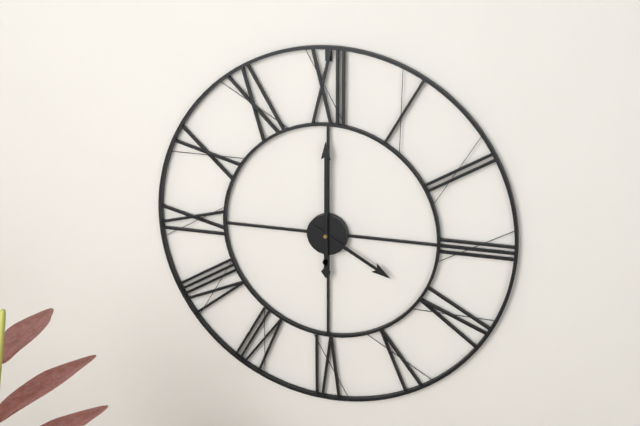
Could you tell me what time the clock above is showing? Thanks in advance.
4:00
